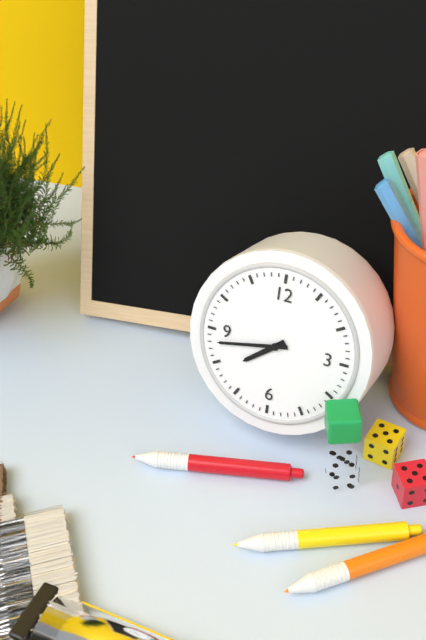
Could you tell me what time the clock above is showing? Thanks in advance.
7:43
